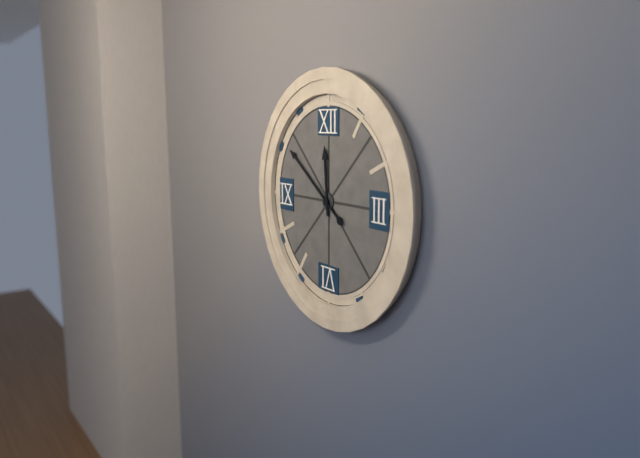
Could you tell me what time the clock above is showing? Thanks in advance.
11:51
